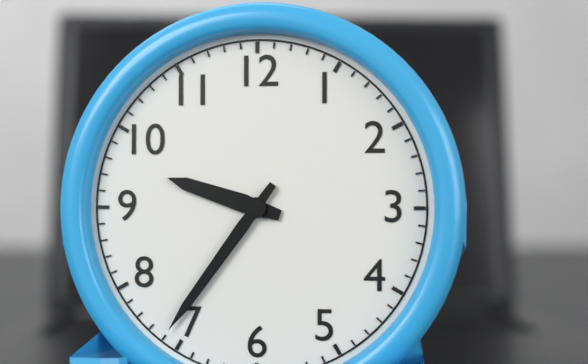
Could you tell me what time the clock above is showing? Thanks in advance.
9:36
